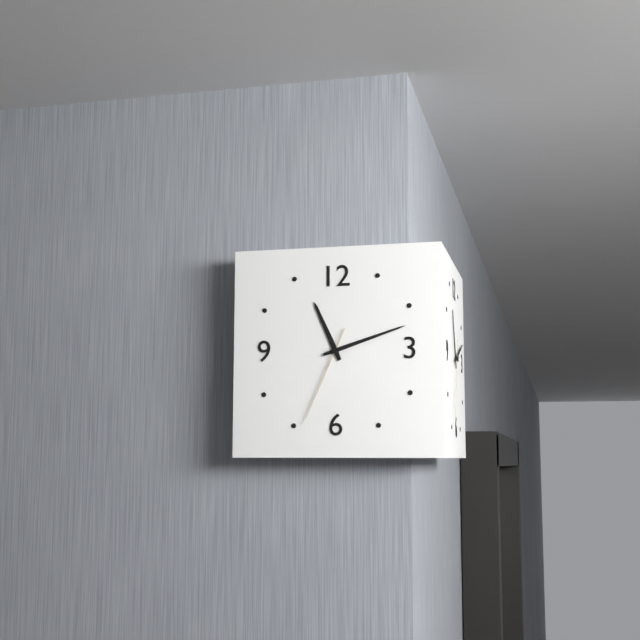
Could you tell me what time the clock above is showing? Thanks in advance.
11:12:34
